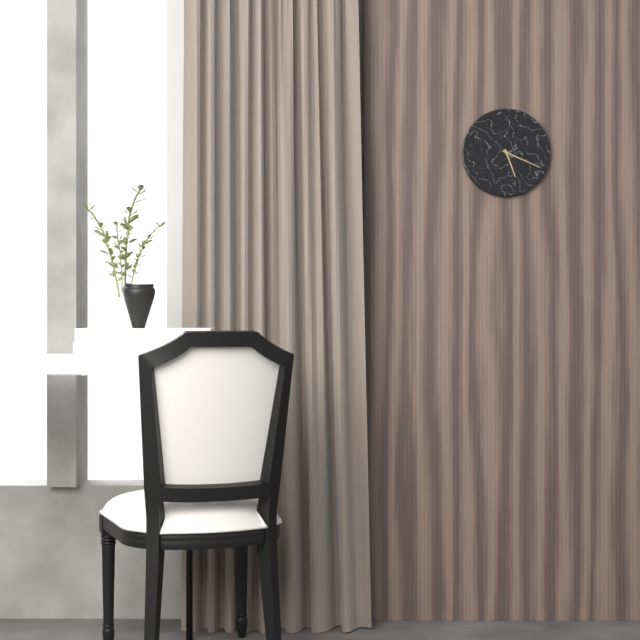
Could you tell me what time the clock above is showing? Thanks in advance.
5:19
